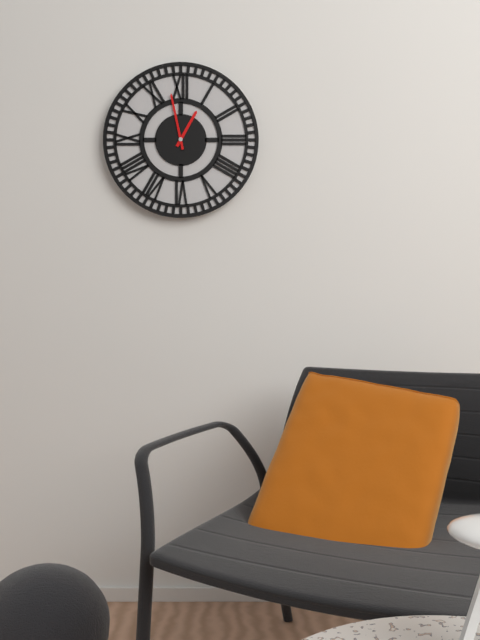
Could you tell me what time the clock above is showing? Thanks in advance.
12:58
